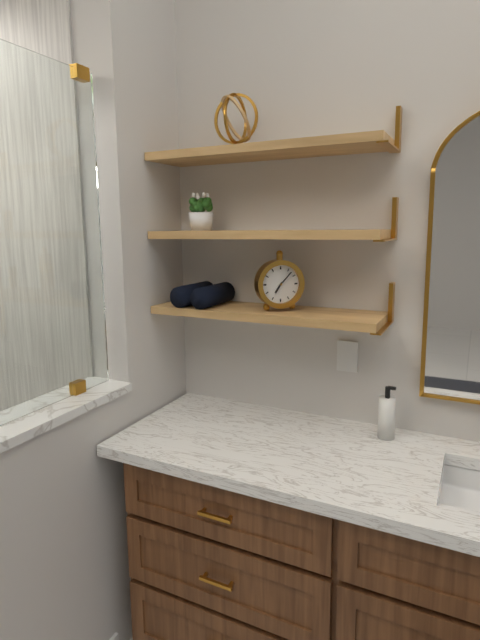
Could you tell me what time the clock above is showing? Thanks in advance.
7:07
